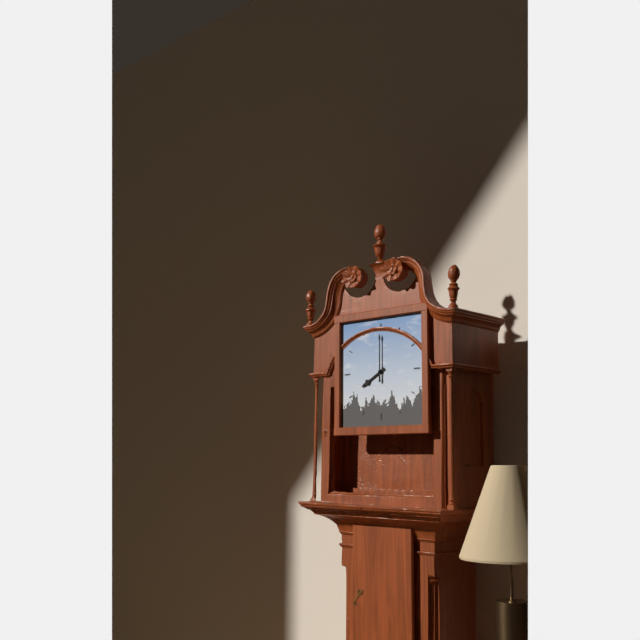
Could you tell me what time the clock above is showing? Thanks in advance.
8:00
